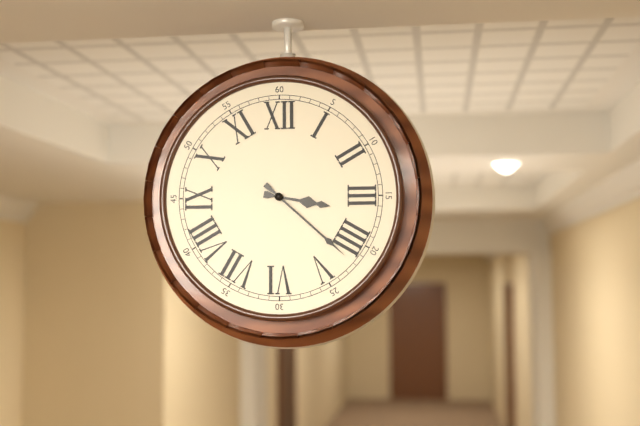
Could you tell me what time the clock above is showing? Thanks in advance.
3:22
